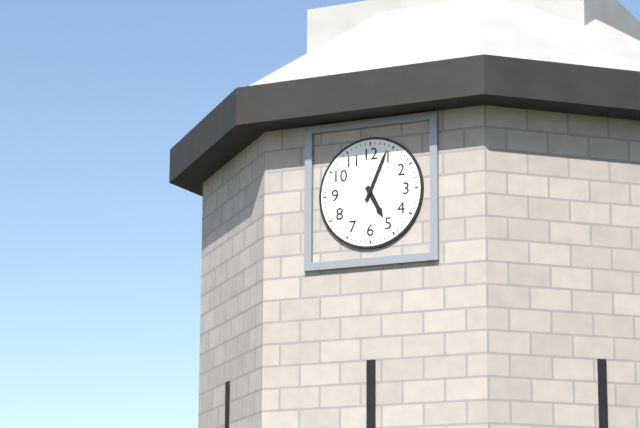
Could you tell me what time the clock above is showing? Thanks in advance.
5:04
